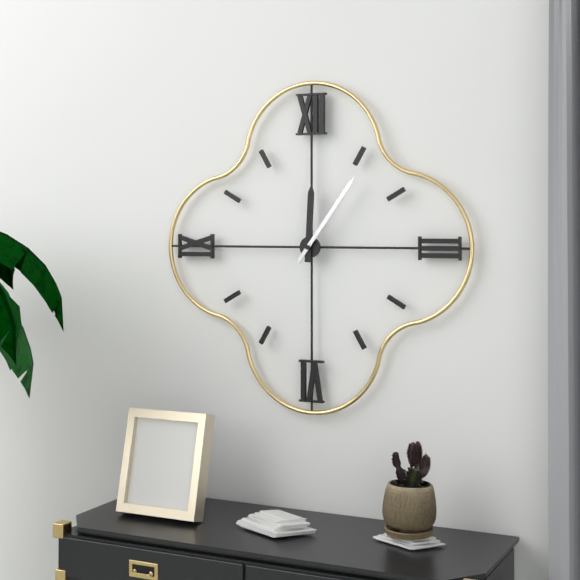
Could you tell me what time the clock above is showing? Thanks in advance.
12:06
